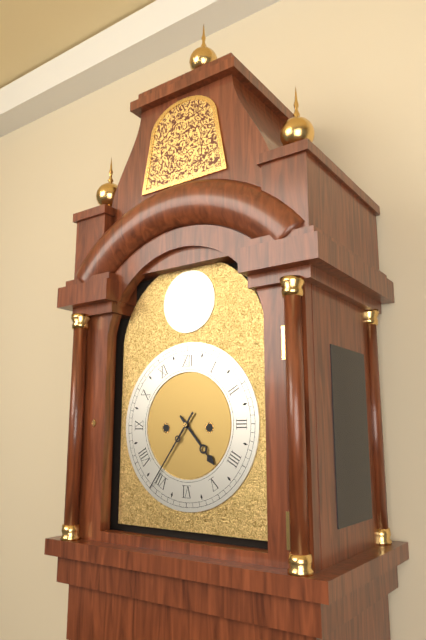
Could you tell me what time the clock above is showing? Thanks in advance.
4:36
